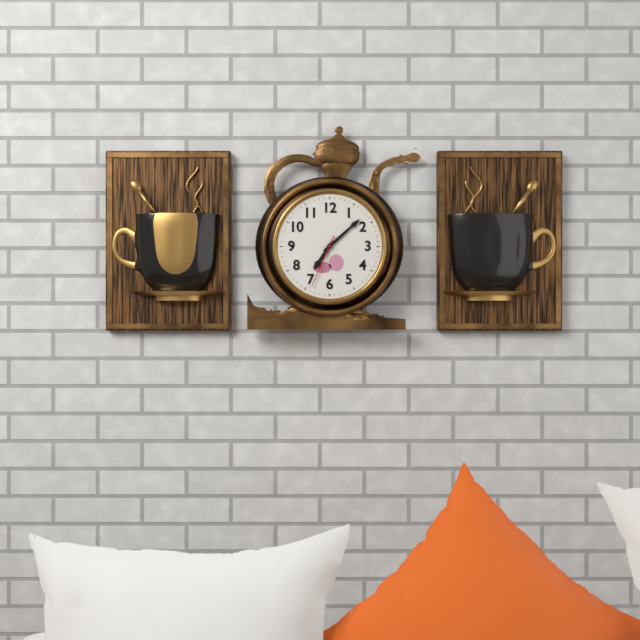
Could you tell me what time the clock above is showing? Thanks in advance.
7:08:34
